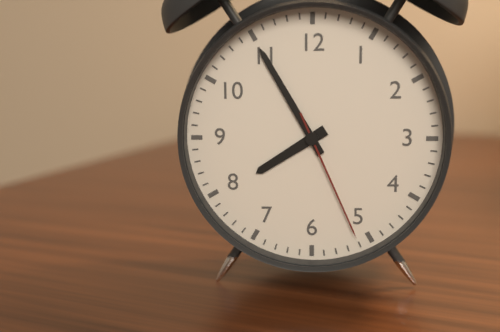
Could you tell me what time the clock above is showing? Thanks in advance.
7:55:26
